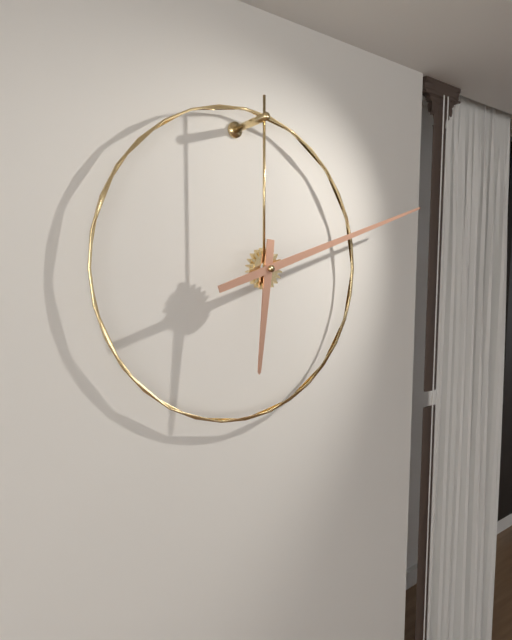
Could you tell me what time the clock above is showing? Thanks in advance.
6:12
